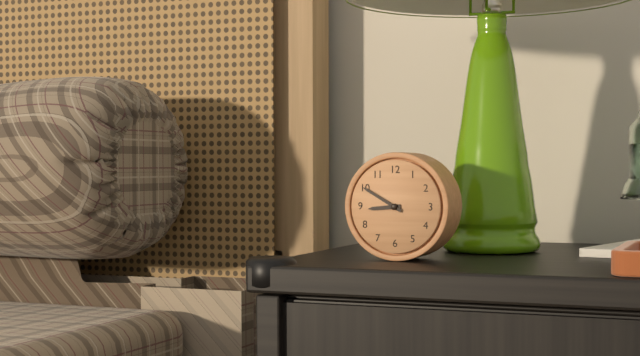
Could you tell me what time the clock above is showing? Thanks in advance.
8:50
